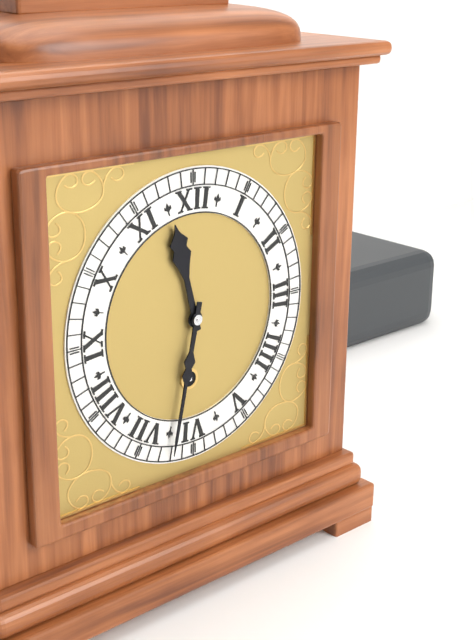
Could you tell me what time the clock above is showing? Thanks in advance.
11:32
